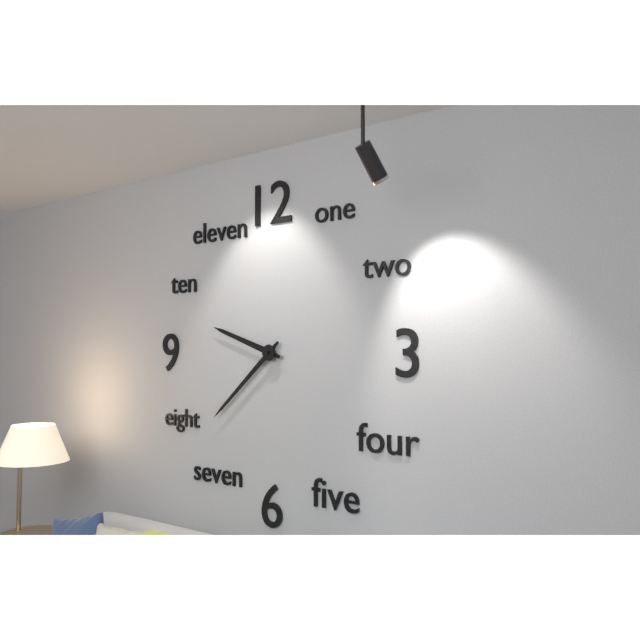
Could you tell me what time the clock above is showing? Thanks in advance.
9:38
